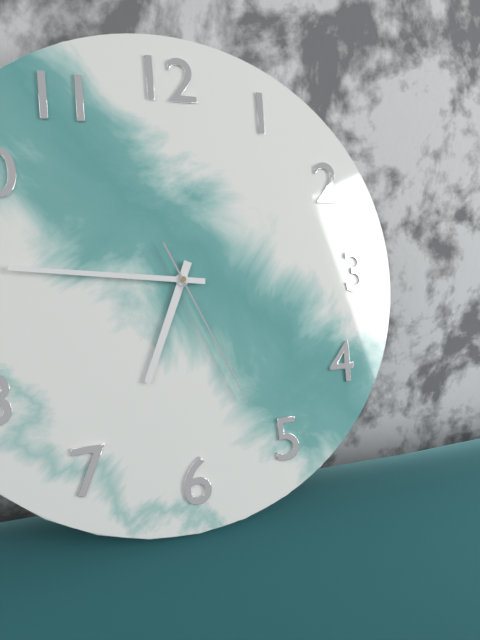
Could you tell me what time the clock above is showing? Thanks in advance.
6:46:26
